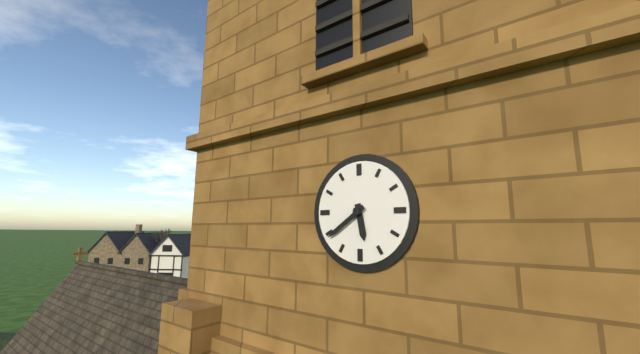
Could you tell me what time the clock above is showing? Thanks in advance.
5:39
